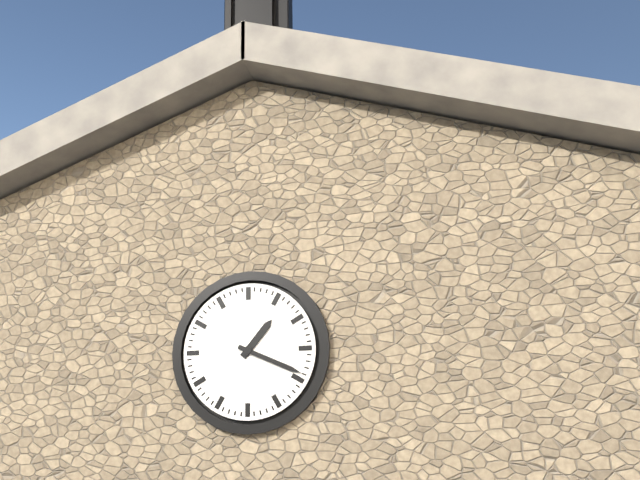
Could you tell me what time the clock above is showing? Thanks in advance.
1:19
